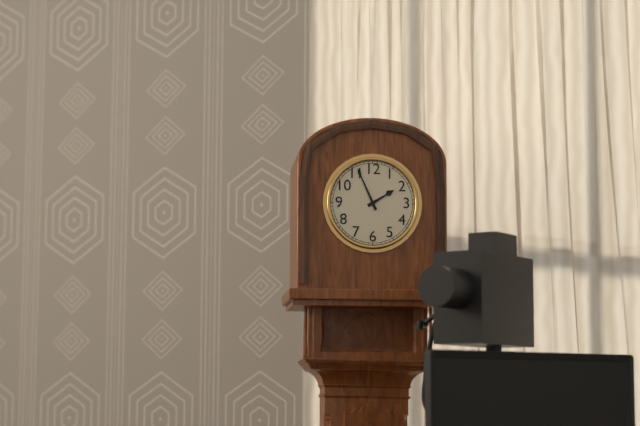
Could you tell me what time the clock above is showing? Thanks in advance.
1:56
